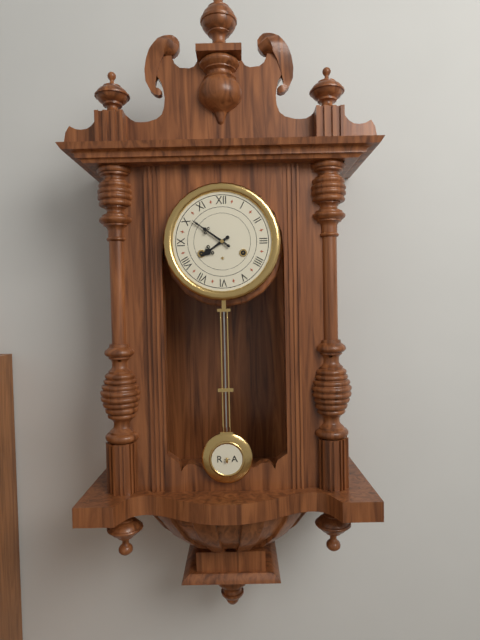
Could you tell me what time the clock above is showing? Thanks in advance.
7:51
